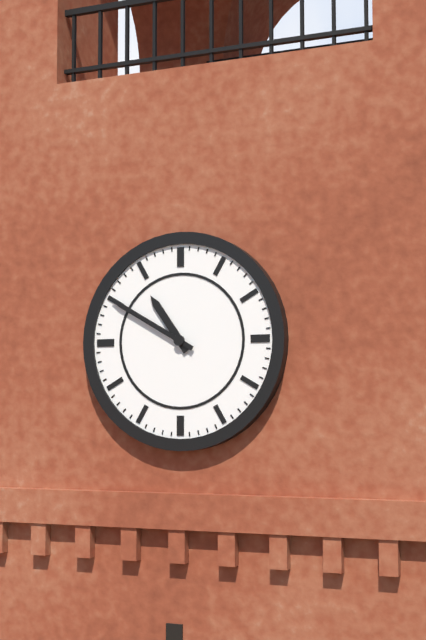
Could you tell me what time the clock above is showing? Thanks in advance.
10:50
